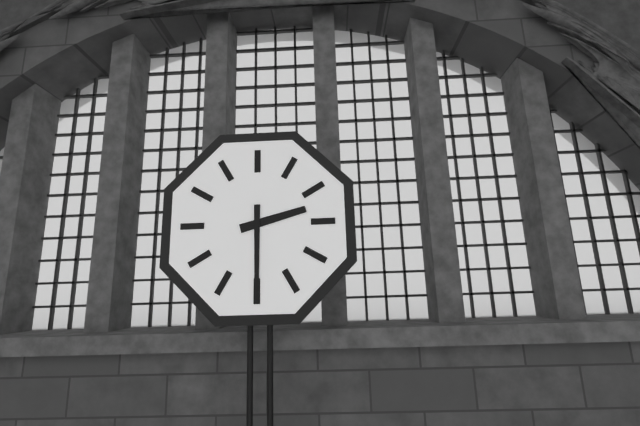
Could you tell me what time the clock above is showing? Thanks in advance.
2:30
